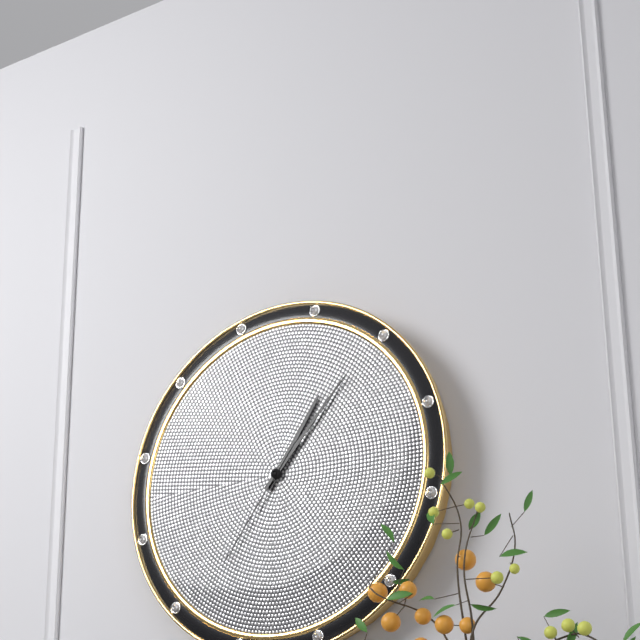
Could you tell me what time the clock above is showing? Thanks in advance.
1:07:36
